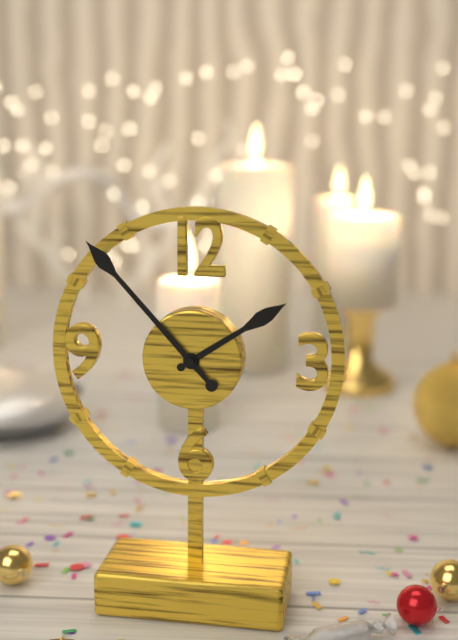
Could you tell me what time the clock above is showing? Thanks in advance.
1:53
